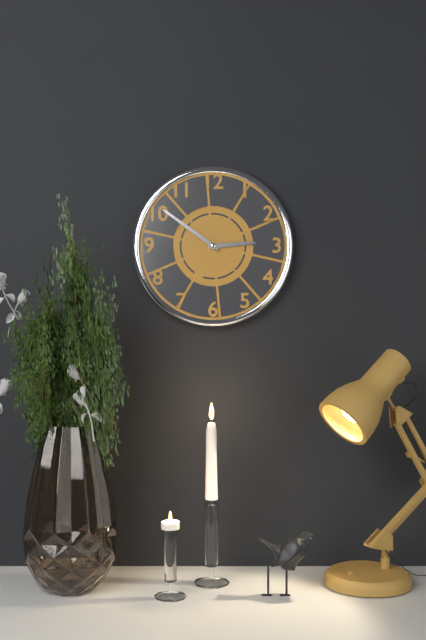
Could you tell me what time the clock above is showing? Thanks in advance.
2:51
